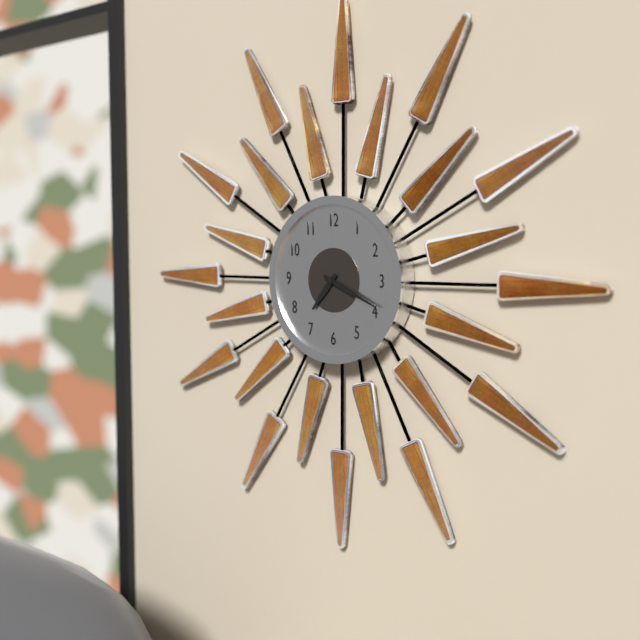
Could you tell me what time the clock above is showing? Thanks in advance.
7:19
